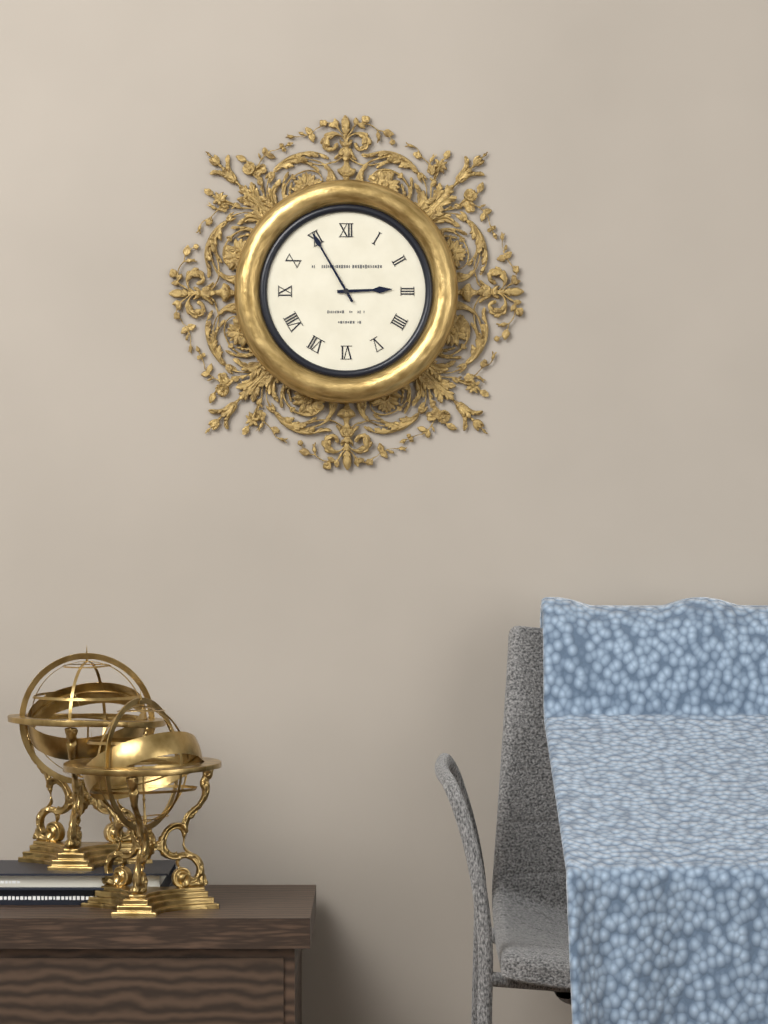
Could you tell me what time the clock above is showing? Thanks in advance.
2:55
